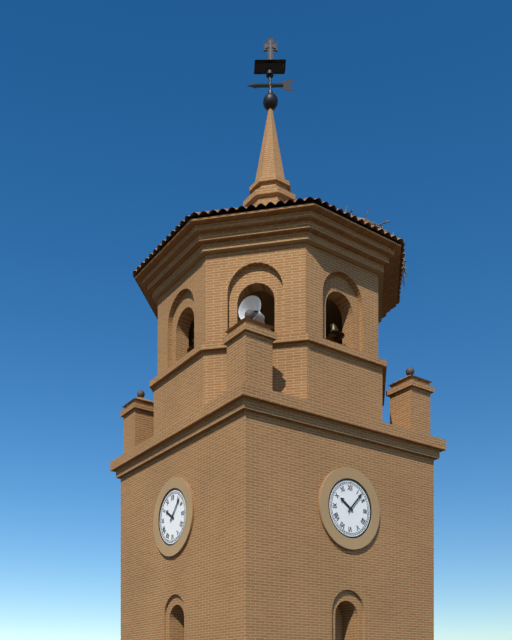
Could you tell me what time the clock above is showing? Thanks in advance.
10:07
